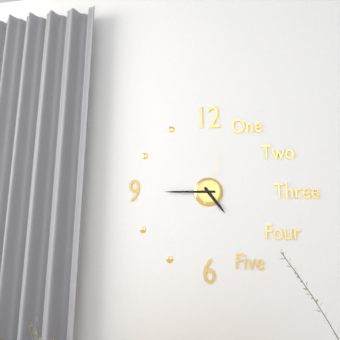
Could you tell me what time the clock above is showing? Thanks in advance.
4:45:03
